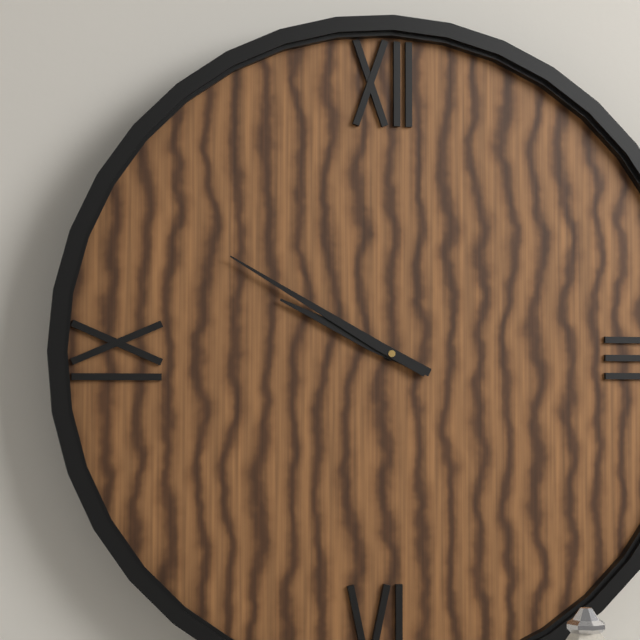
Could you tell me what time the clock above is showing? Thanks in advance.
9:50
